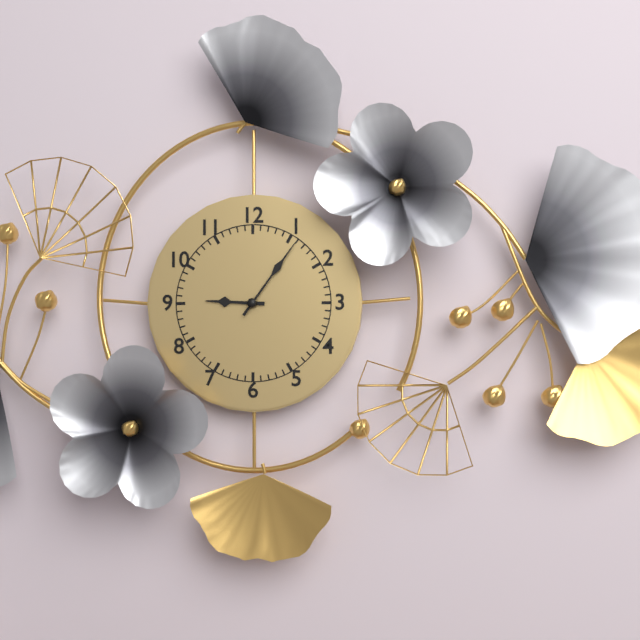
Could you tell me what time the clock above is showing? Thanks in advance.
9:06
